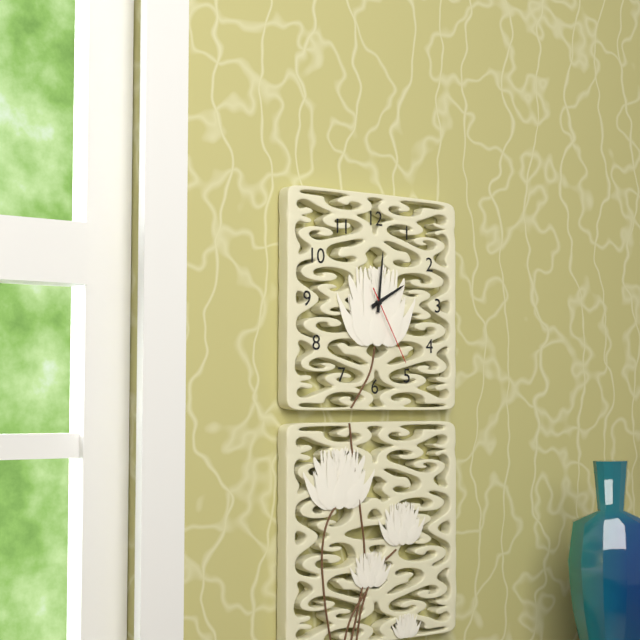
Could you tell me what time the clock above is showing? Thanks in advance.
2:01:25
